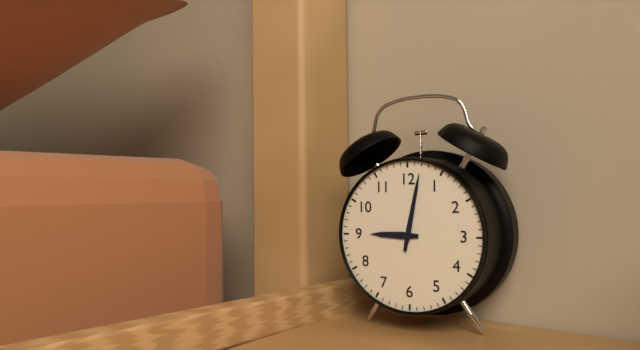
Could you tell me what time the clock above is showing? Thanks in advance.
9:02
